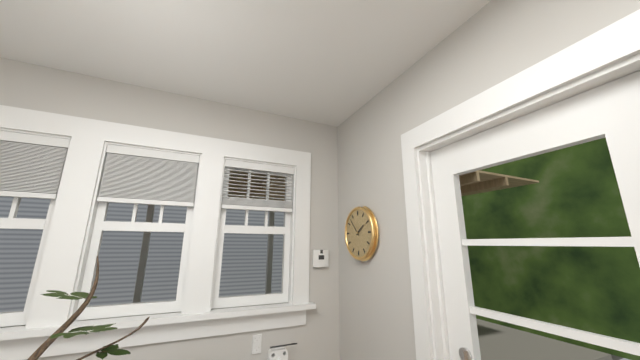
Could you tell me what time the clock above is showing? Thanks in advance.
1:53
